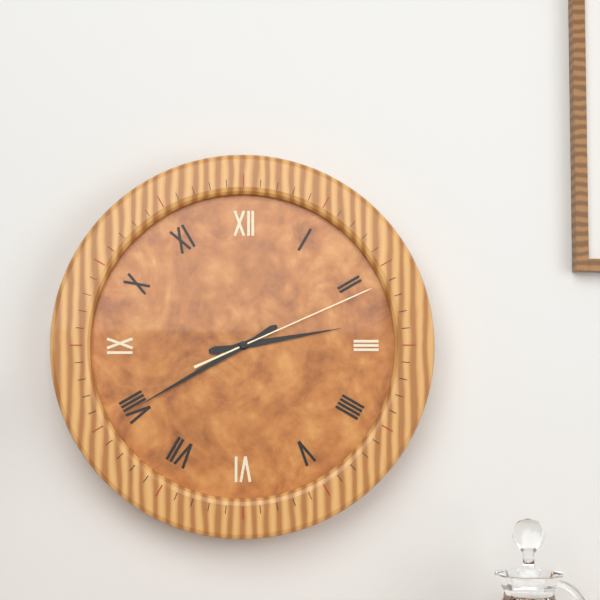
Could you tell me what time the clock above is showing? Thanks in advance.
2:40:11
